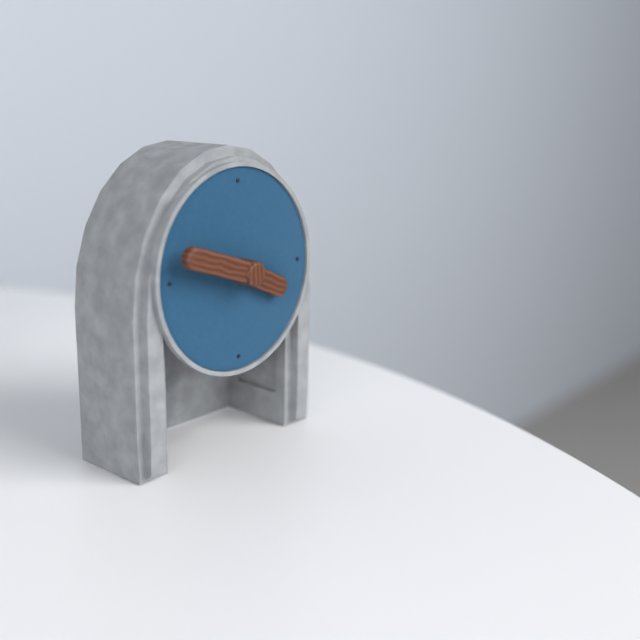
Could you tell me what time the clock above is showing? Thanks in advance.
3:48
